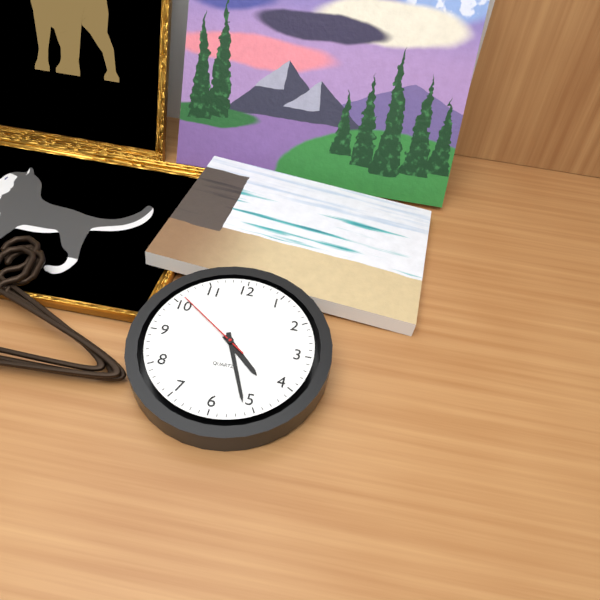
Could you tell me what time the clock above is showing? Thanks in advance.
4:26:51
